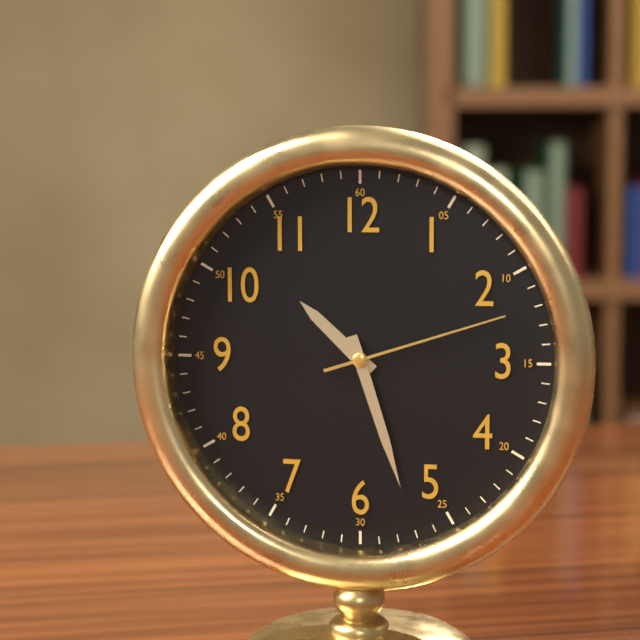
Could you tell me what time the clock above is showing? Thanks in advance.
10:27:12
